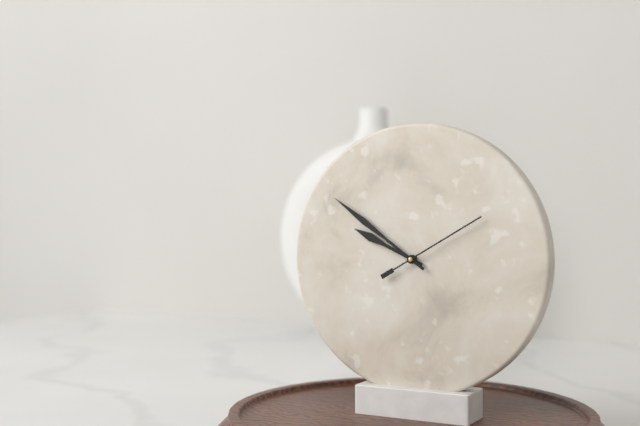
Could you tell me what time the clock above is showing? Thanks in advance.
9:51:10
